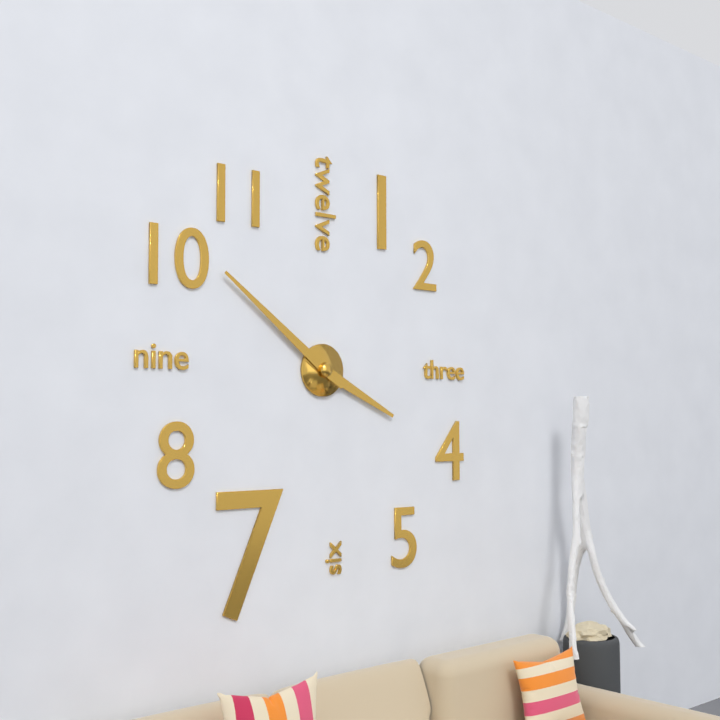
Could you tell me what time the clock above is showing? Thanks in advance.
3:51
